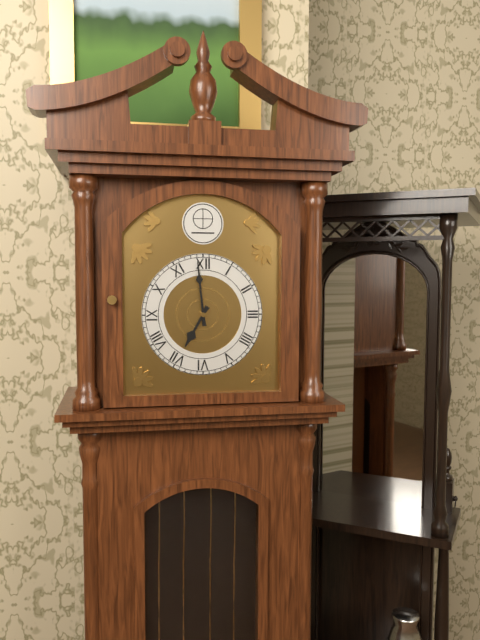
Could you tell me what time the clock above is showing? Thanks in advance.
6:59
